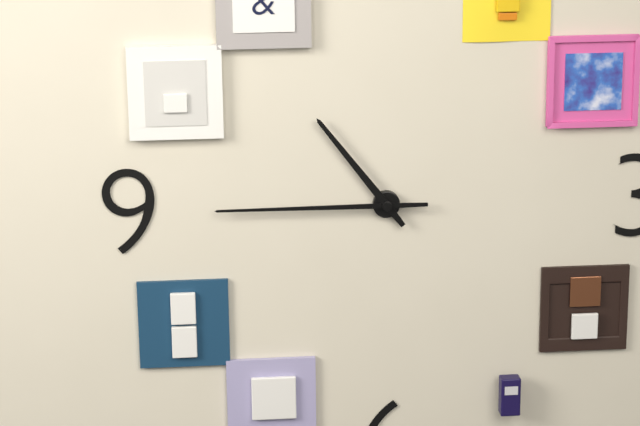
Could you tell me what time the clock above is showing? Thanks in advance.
10:45
